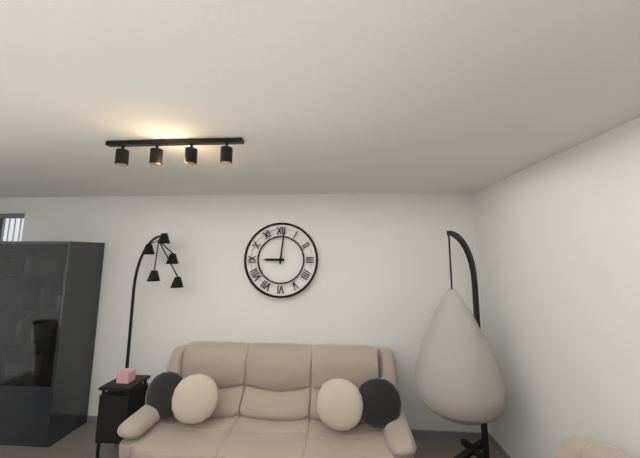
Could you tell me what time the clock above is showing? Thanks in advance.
9:01
